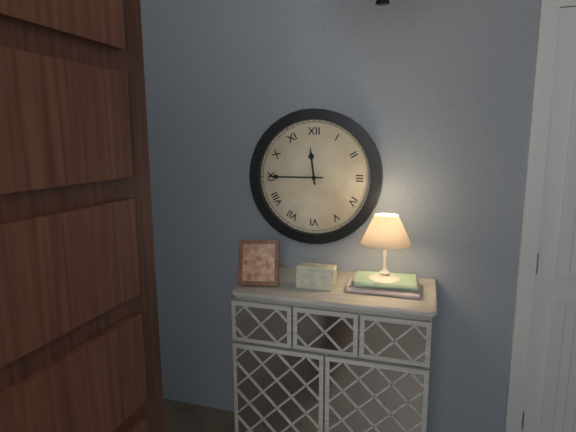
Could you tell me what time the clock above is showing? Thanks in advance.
11:45
